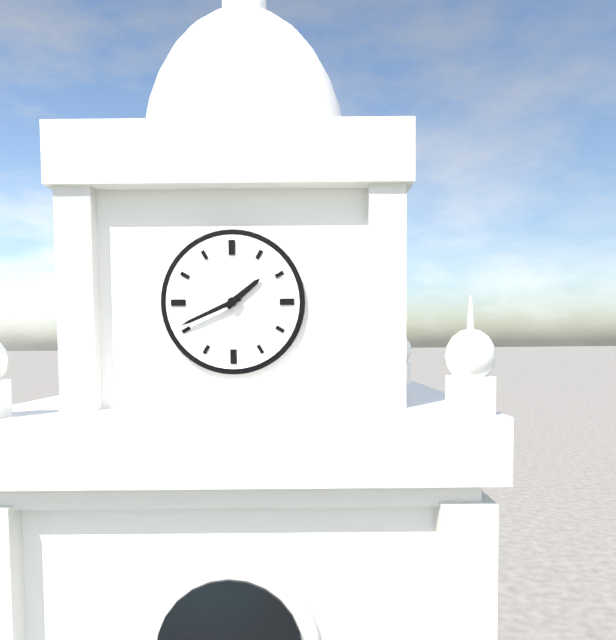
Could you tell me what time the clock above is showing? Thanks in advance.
1:41
